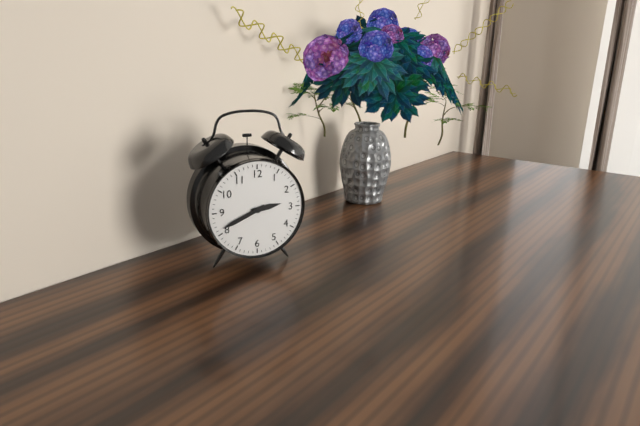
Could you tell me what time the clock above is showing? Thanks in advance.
2:41
